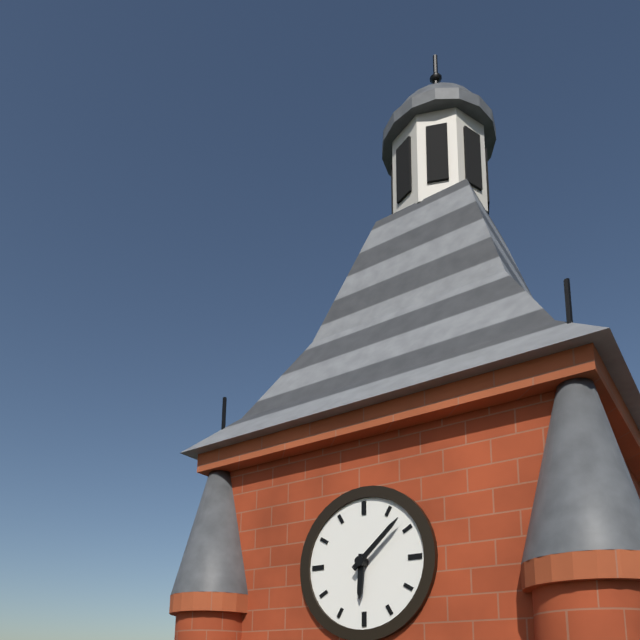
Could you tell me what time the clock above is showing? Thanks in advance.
6:08
